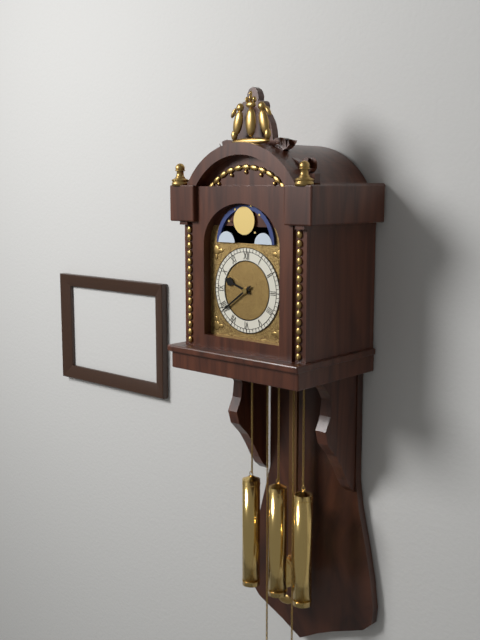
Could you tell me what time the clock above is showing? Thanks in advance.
9:39
